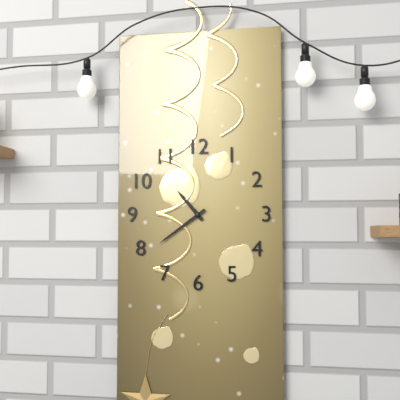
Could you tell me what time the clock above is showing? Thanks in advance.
10:39
